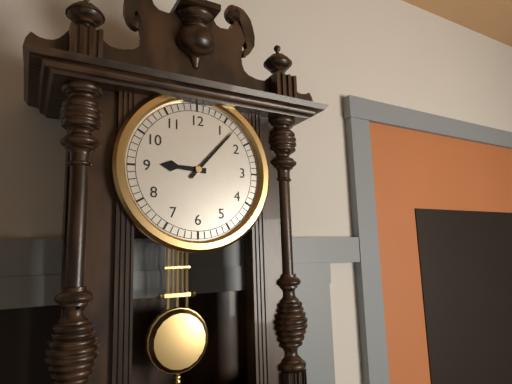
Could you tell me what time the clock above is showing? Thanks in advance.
9:07
